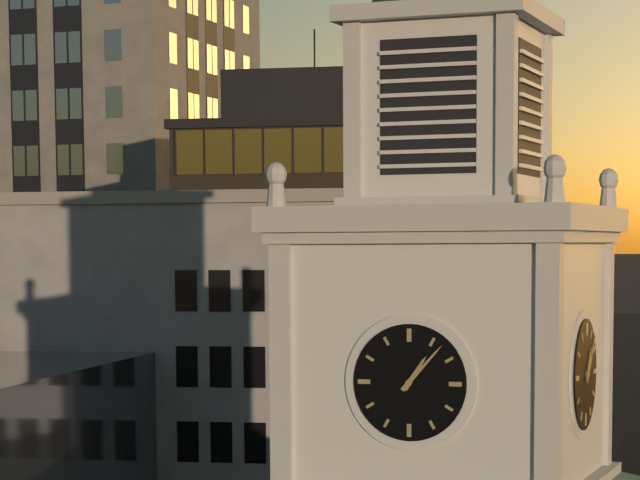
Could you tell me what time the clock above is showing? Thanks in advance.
1:07
